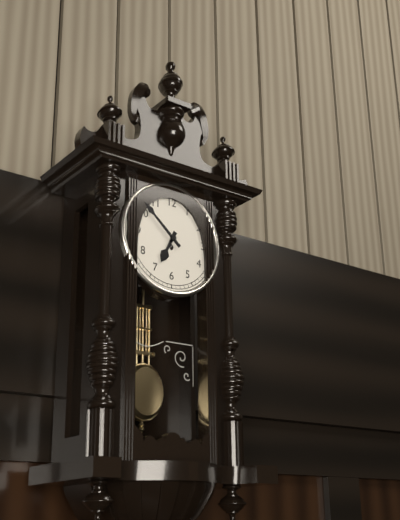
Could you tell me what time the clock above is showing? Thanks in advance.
6:52
